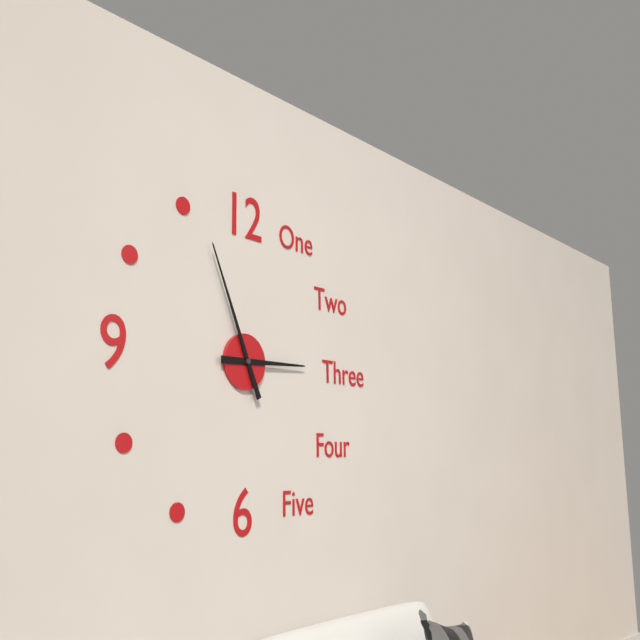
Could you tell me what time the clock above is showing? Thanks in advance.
2:56
